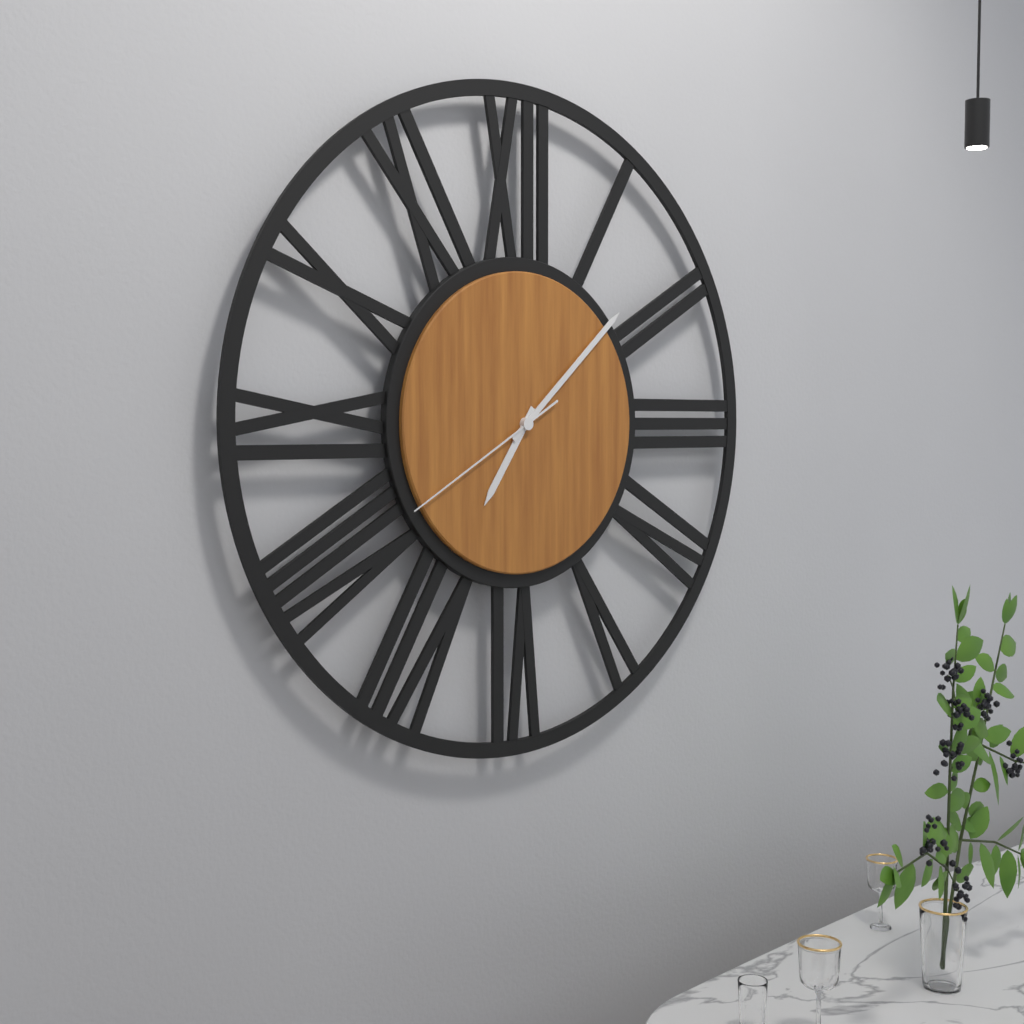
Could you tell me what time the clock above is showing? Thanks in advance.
7:08:40
